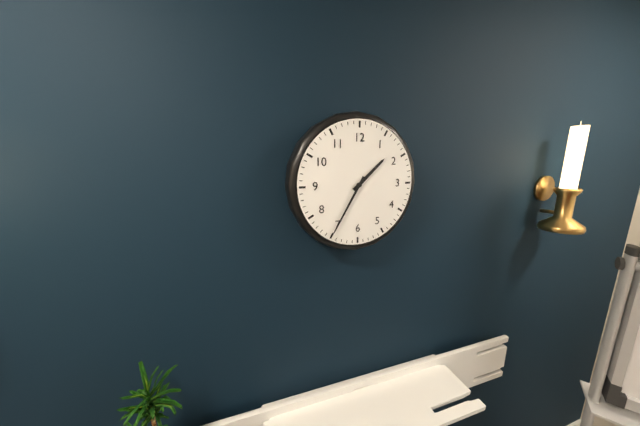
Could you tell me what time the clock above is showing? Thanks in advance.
1:35
